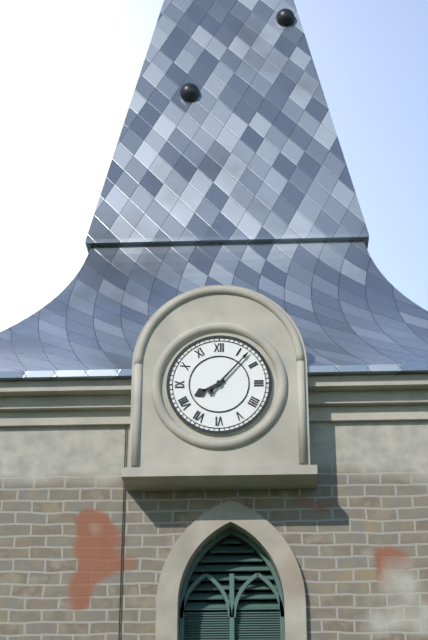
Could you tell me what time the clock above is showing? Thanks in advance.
8:07
